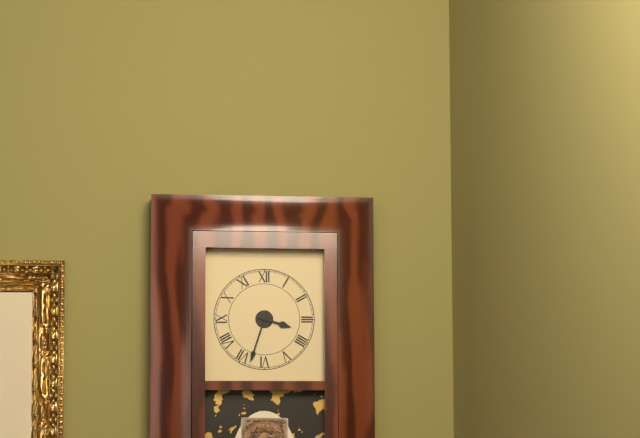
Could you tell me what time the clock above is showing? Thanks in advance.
3:33
